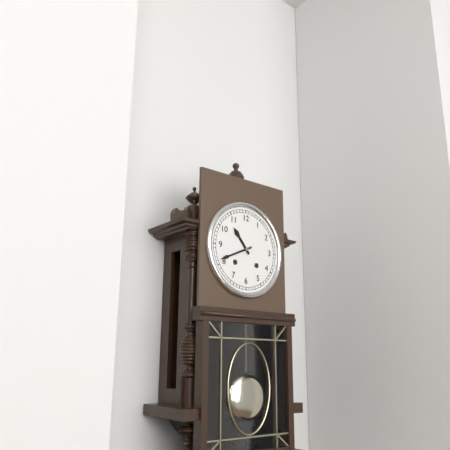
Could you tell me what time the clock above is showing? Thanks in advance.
10:41
